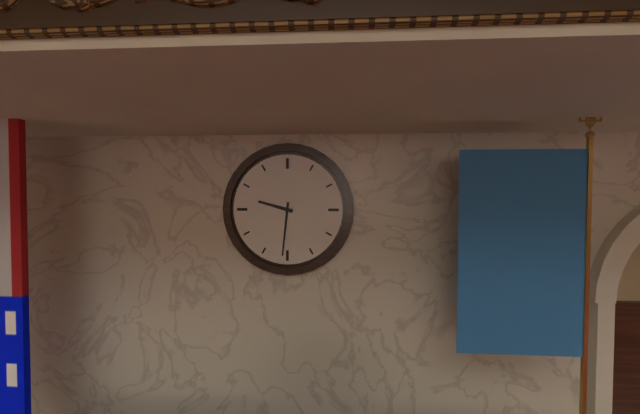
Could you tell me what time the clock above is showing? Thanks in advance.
9:31
